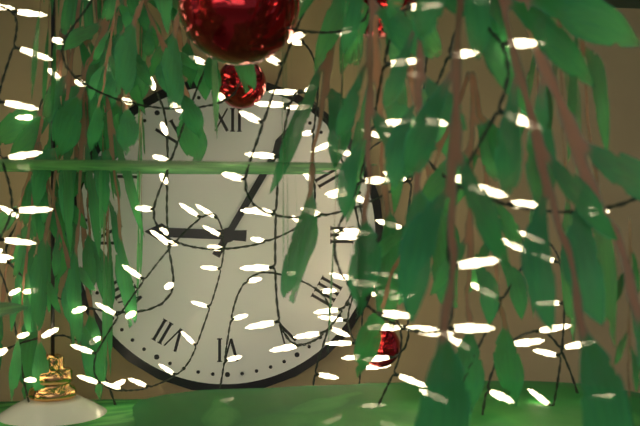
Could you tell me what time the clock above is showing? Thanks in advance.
9:05
